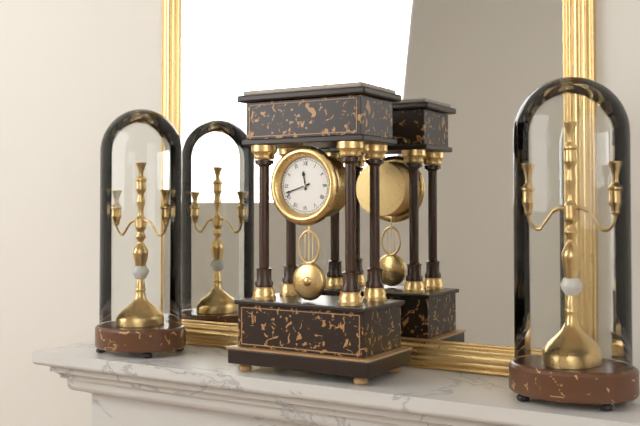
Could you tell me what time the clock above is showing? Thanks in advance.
11:42
